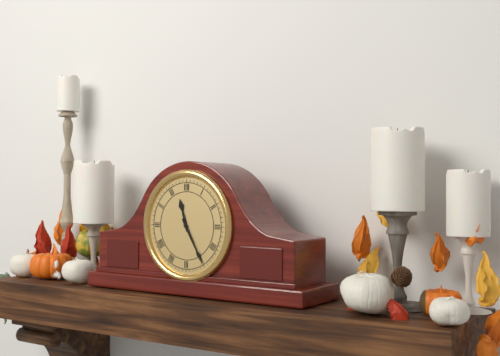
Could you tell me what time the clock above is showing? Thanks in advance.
11:25
